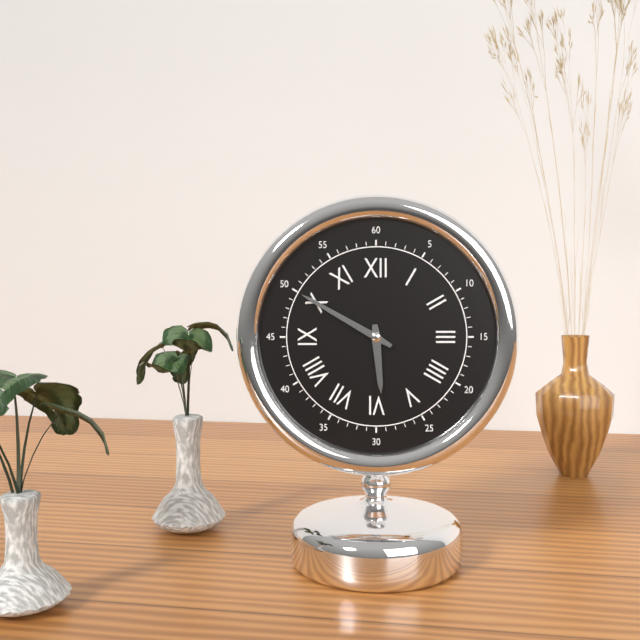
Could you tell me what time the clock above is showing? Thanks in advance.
5:50
